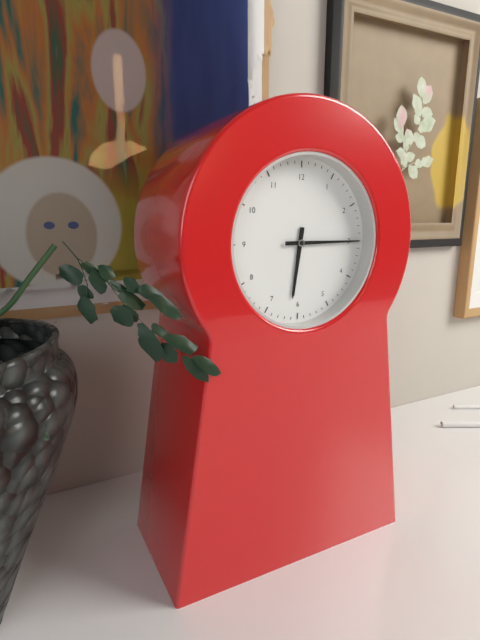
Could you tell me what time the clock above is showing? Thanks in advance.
6:15
